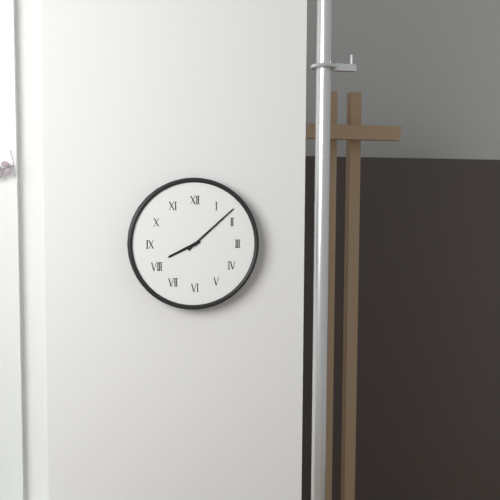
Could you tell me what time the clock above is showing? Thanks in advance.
8:08
